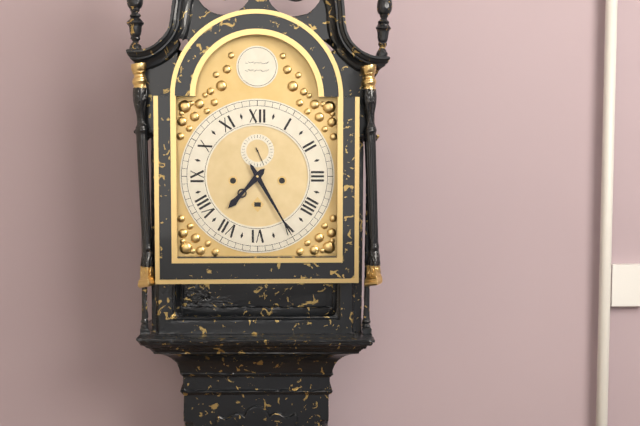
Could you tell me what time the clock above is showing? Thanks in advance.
7:25
